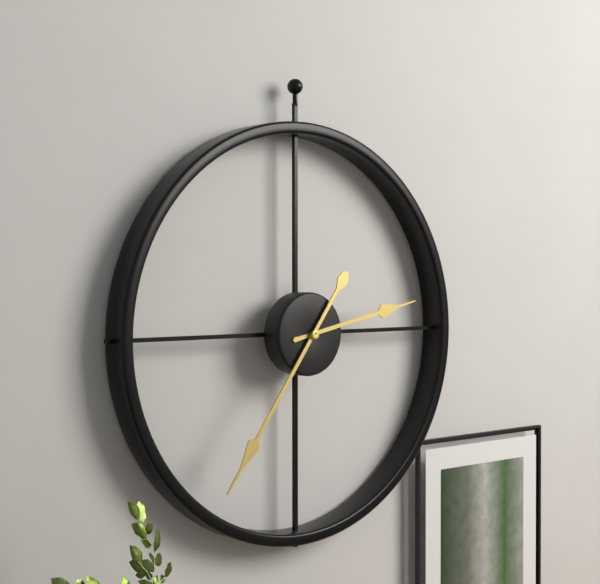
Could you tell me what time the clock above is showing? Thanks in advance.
2:36
